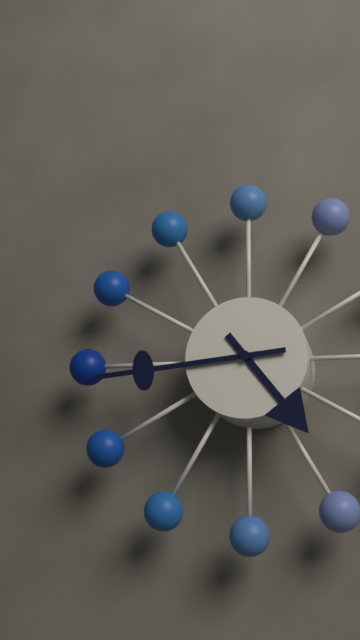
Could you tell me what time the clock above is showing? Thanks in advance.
4:44
